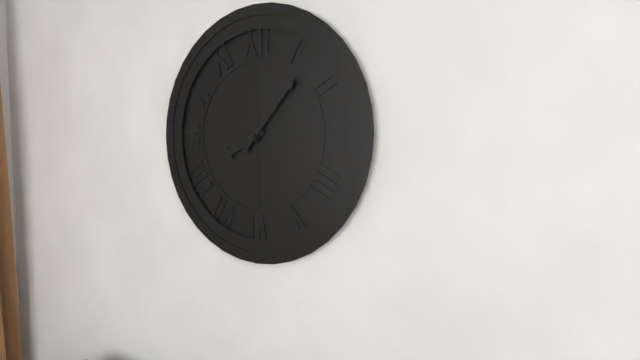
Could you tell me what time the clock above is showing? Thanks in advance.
8:07
